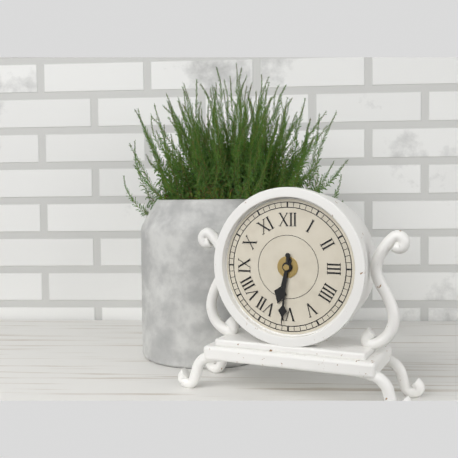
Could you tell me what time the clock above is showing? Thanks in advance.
6:31
